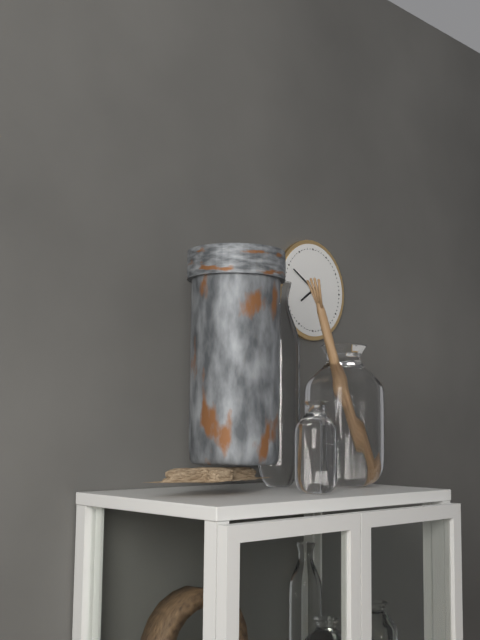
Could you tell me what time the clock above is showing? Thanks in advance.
7:50
